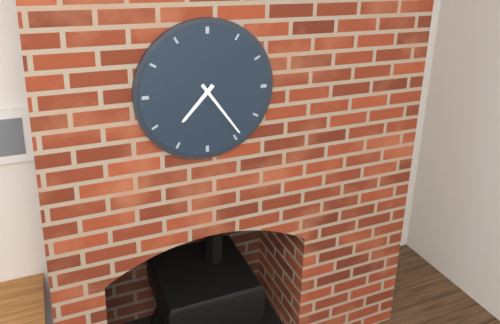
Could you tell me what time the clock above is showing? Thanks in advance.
7:24
